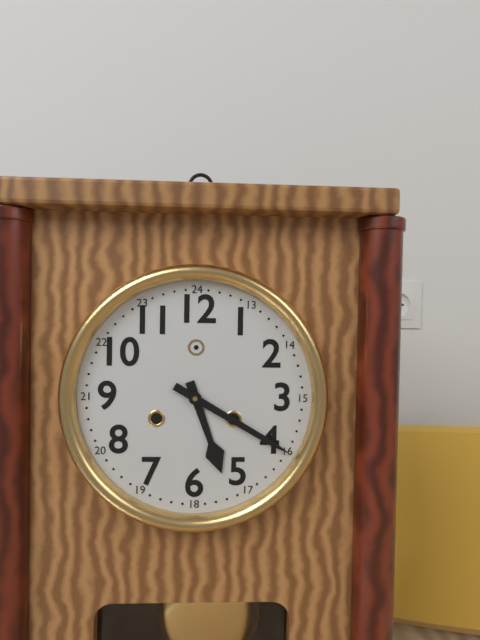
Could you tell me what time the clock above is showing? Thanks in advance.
5:20
